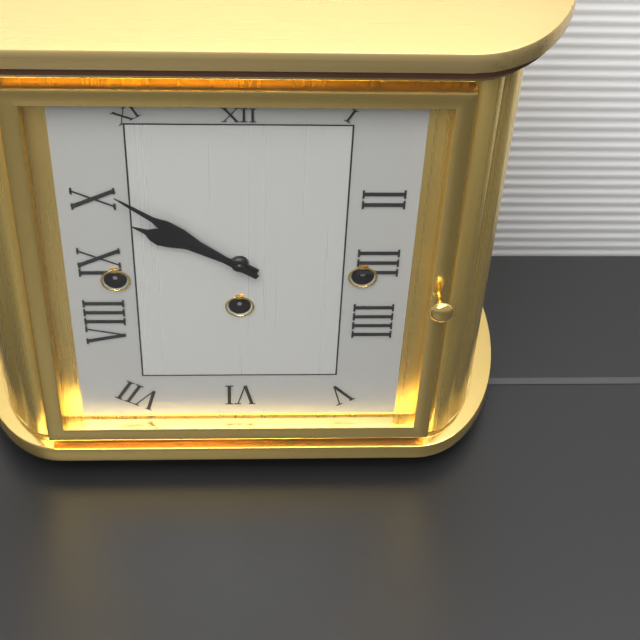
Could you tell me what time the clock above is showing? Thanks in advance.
9:51
